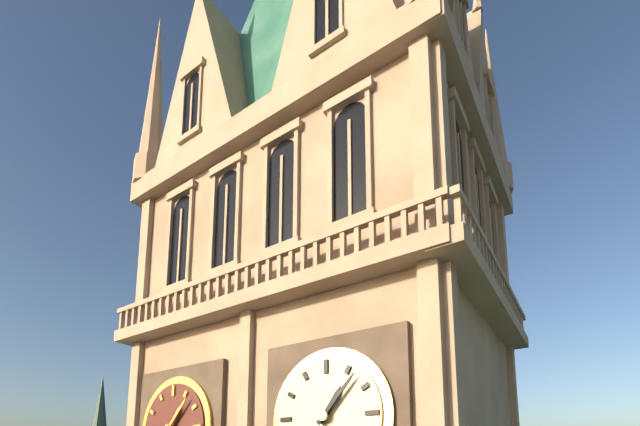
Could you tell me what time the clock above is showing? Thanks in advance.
1:07
